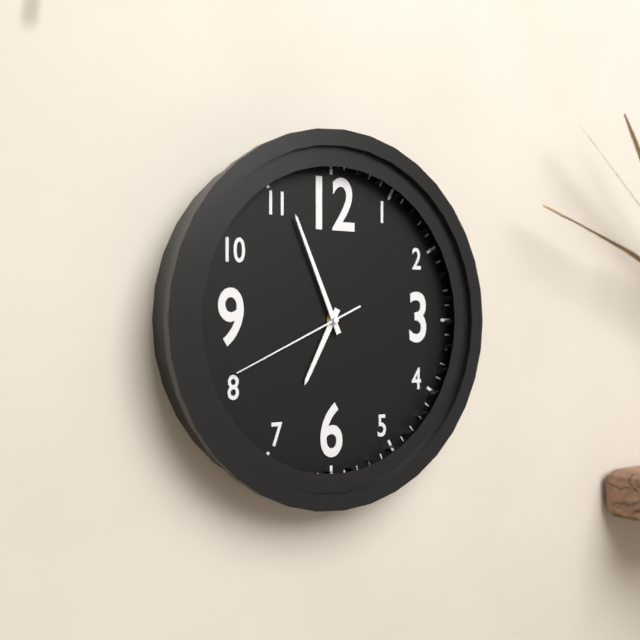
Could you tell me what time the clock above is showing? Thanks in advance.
6:56:41
